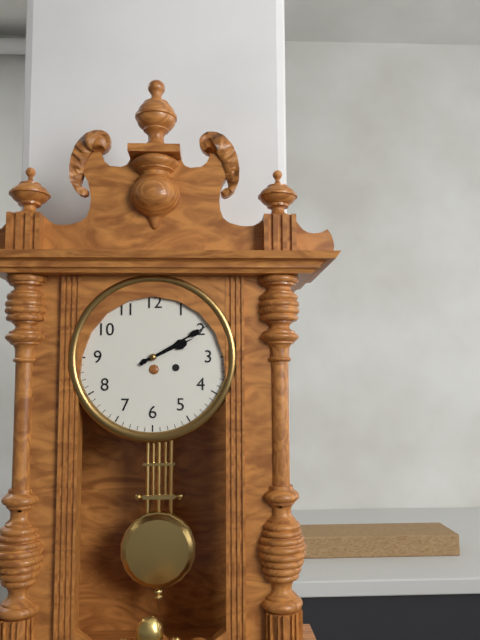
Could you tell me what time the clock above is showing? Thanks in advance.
2:10
